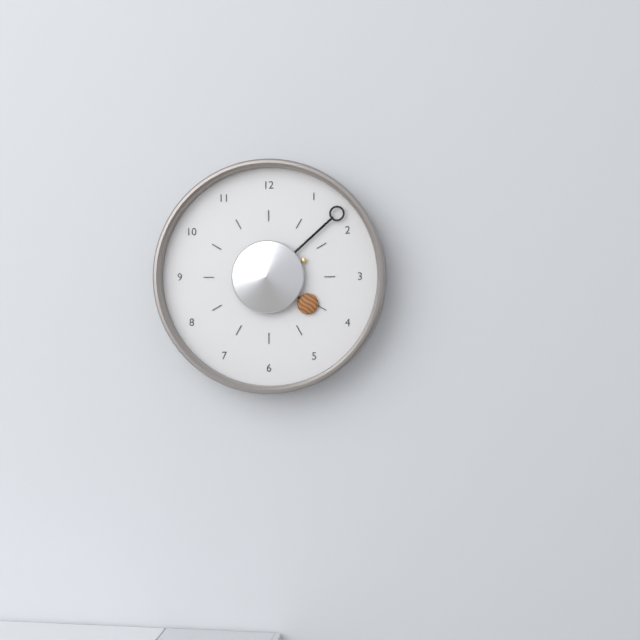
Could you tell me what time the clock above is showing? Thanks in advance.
4:08
